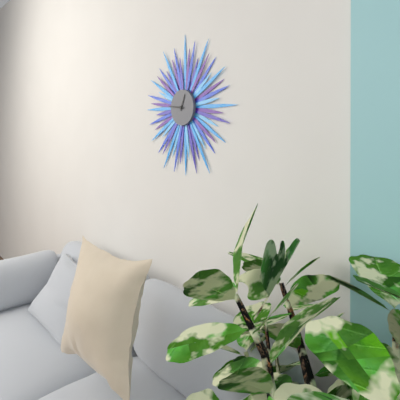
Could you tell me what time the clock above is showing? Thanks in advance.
12:46
